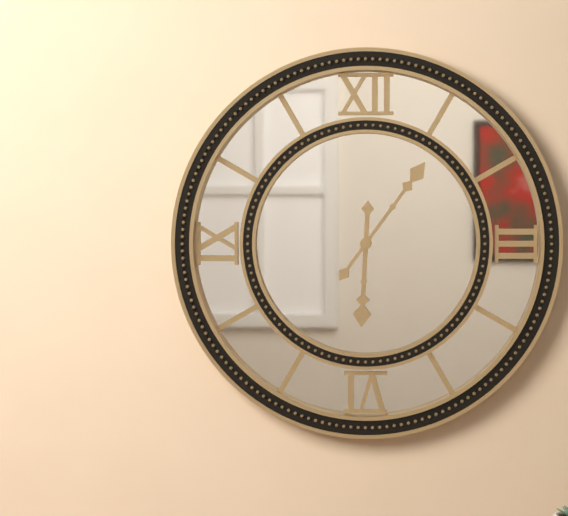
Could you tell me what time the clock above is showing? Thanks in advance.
6:06
